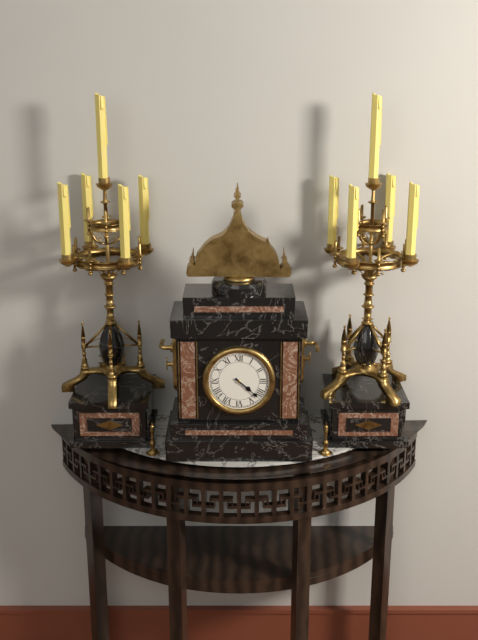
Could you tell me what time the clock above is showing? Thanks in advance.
4:22
